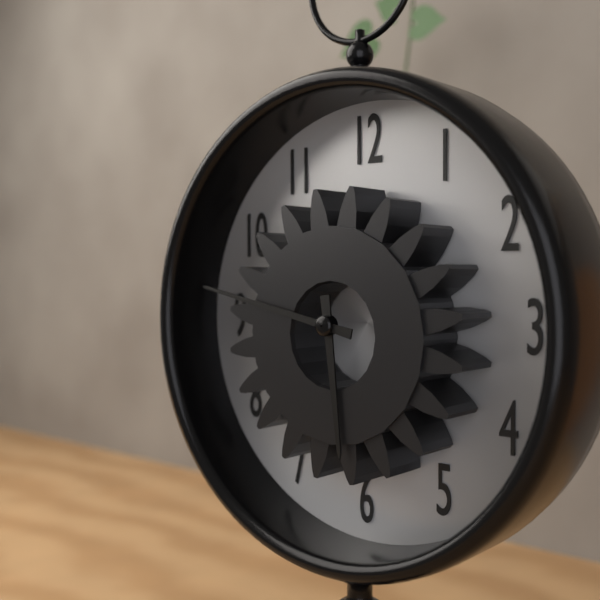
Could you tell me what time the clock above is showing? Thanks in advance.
5:47
